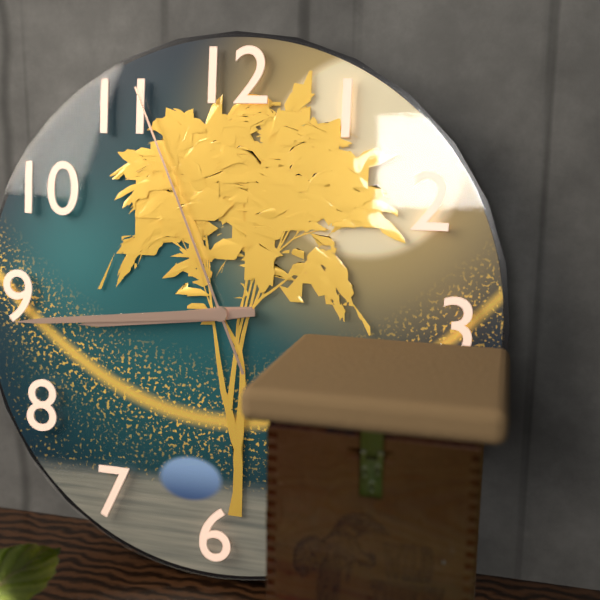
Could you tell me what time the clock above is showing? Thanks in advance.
8:44:56
